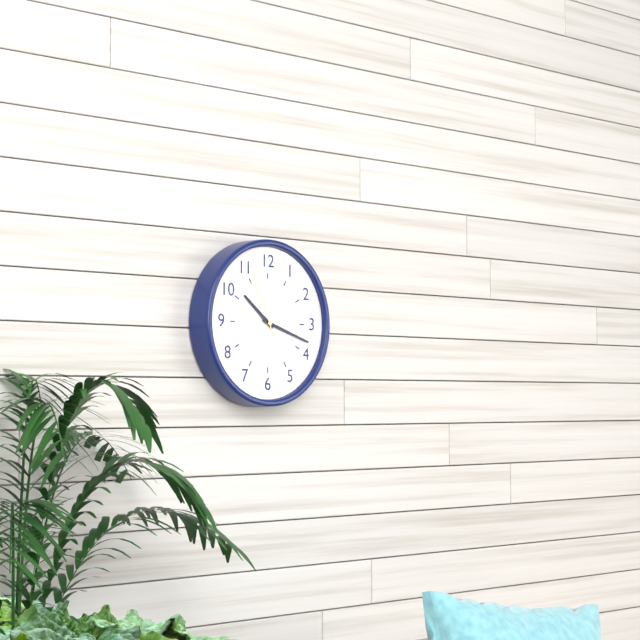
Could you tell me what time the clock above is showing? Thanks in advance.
10:18:56
